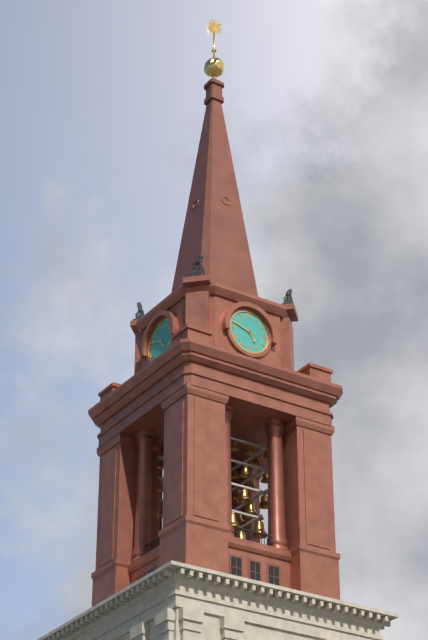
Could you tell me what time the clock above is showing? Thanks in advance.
4:48
